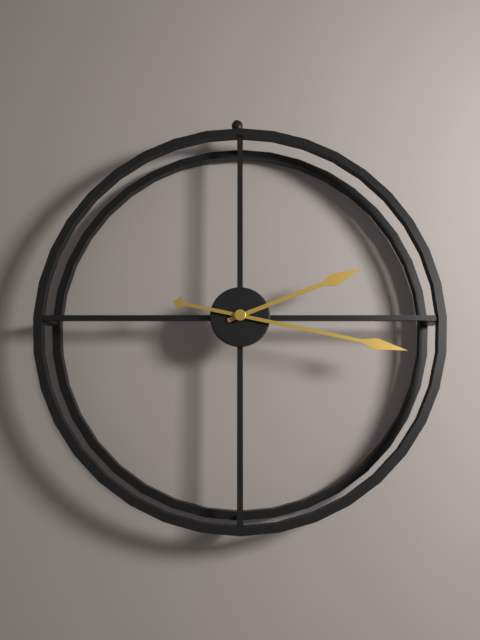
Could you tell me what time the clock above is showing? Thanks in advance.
2:17
